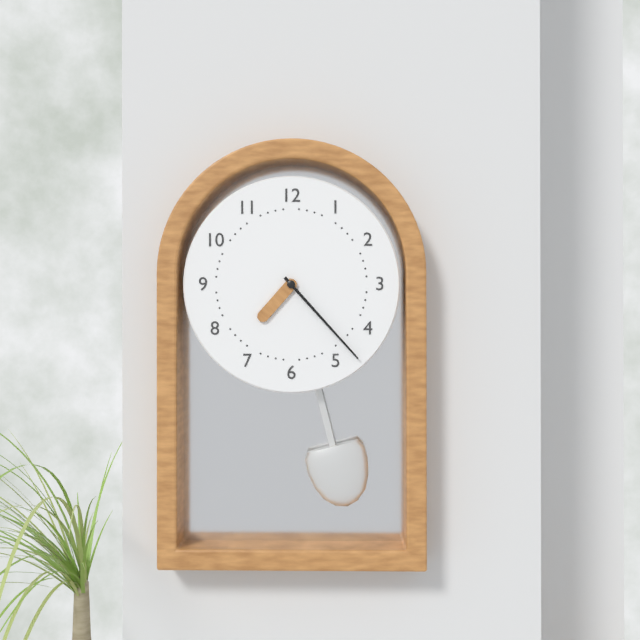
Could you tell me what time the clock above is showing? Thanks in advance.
7:23
